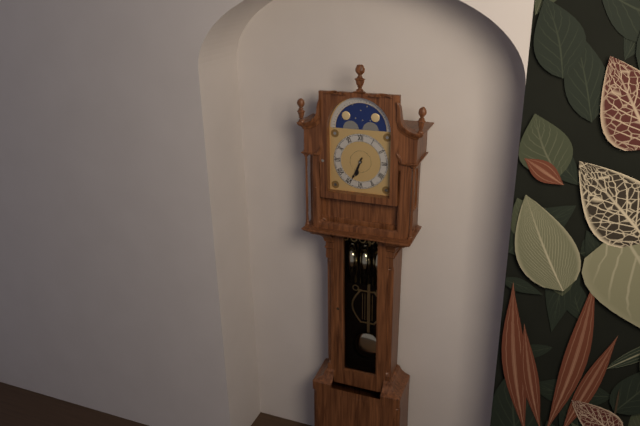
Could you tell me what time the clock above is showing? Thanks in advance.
6:34
